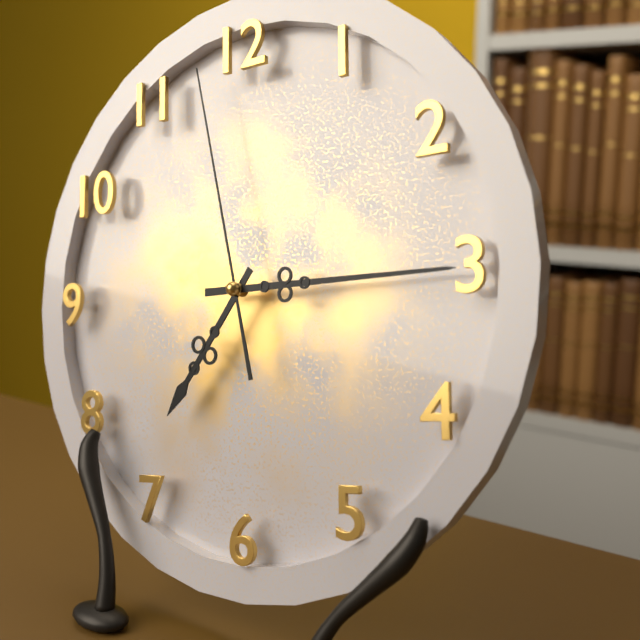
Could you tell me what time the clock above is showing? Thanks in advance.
7:15:58
